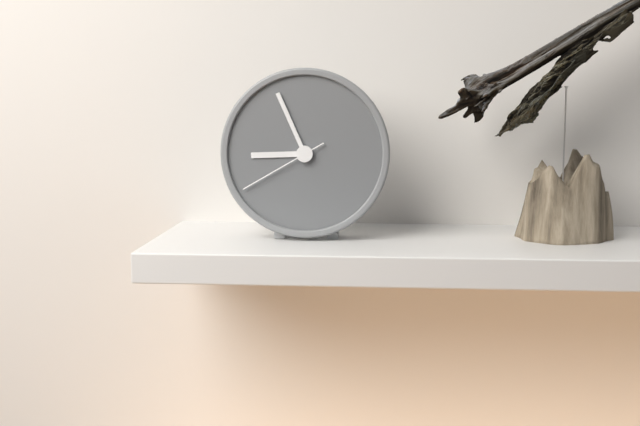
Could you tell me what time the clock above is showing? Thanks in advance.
8:56:40
